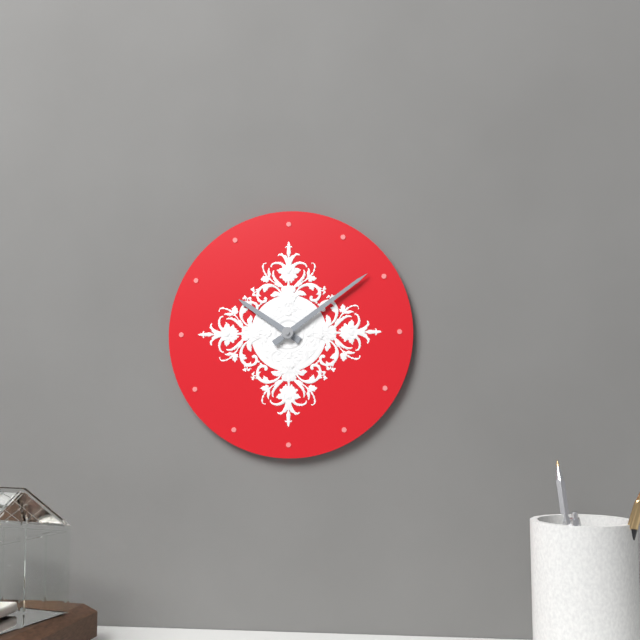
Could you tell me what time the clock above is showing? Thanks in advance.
10:09
